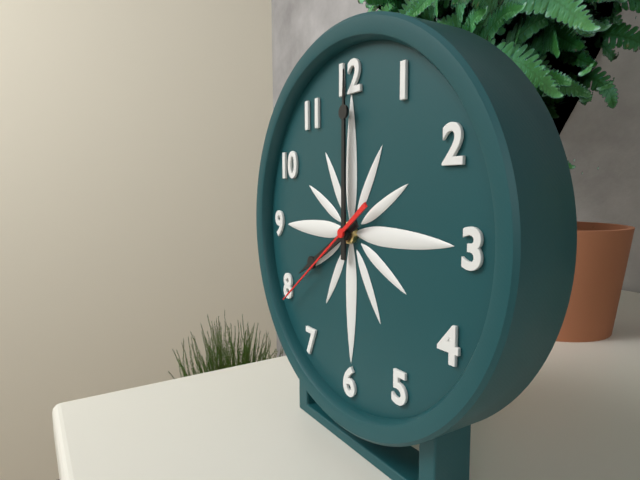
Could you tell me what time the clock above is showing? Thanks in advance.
8:00:39
